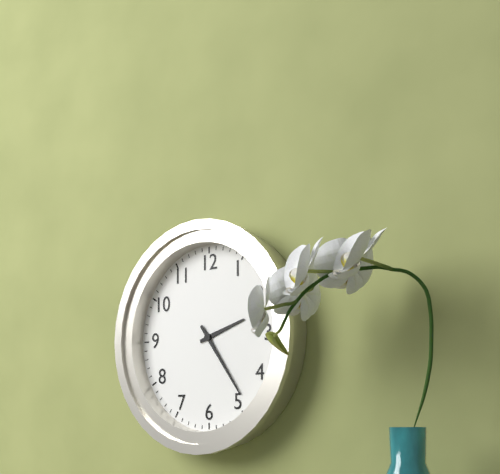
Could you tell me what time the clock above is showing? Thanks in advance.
2:24
